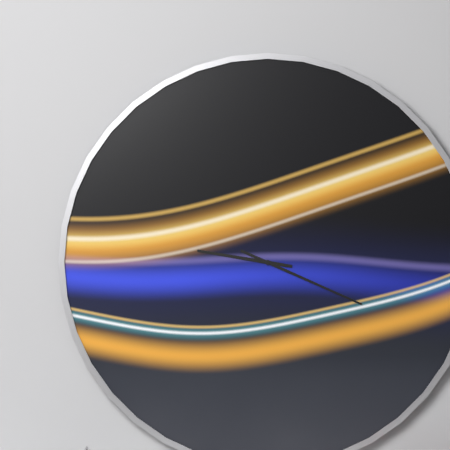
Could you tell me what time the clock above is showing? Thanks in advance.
9:19
